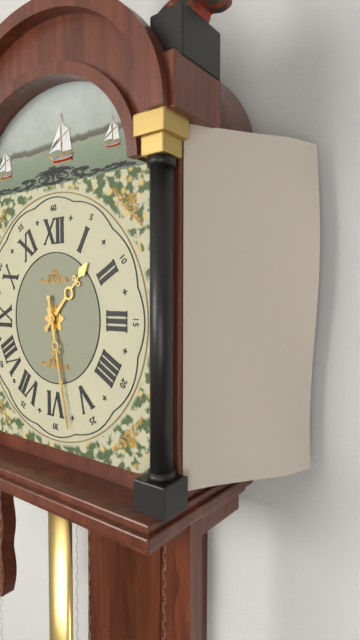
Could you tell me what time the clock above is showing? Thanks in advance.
1:28
